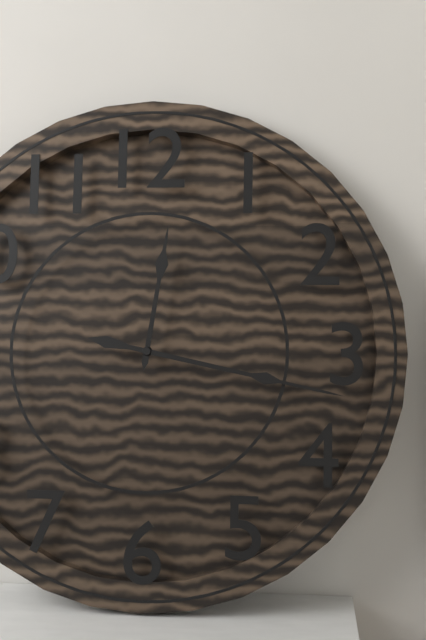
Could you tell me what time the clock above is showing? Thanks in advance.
12:17
